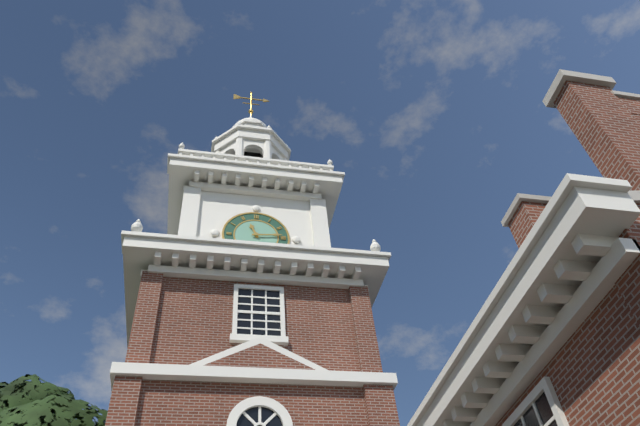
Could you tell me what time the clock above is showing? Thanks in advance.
11:14
